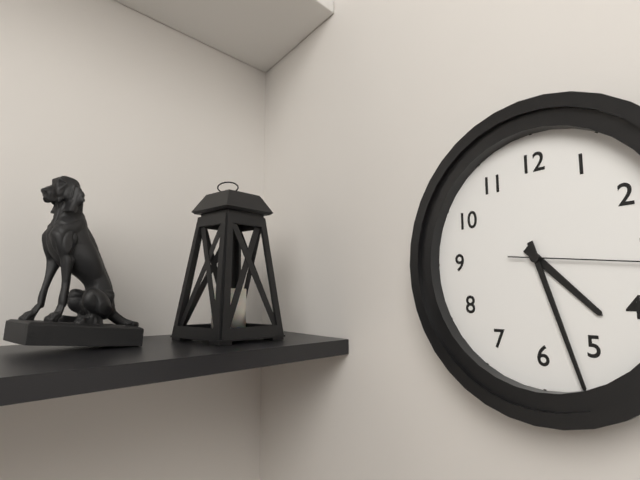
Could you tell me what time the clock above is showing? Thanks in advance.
4:27
